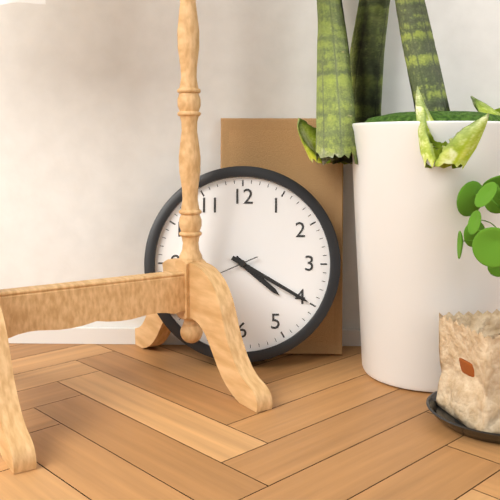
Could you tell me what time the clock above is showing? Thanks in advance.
4:20
